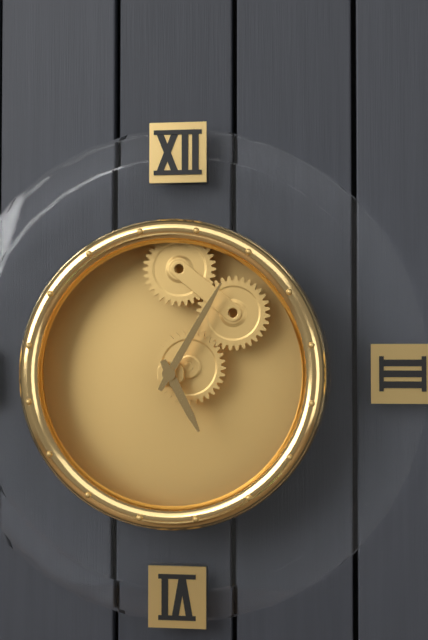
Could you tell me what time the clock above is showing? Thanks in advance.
5:05
